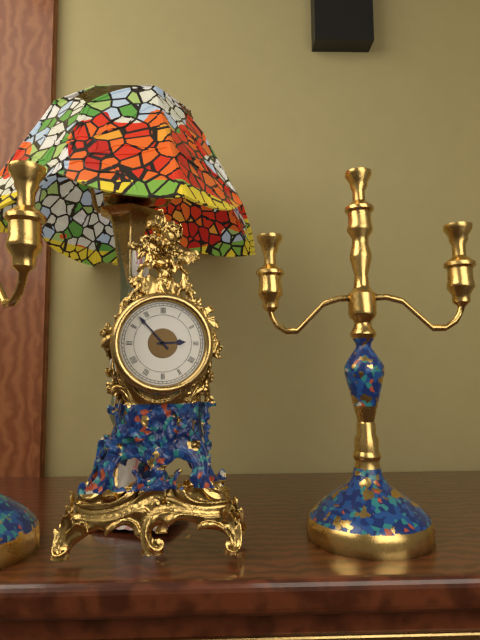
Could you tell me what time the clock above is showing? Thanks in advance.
2:53
